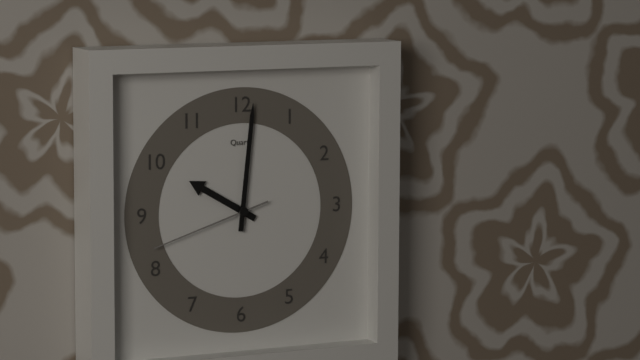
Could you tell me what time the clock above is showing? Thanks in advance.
10:01:42
